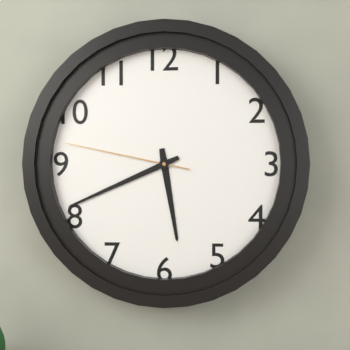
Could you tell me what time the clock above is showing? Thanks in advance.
5:41:47
